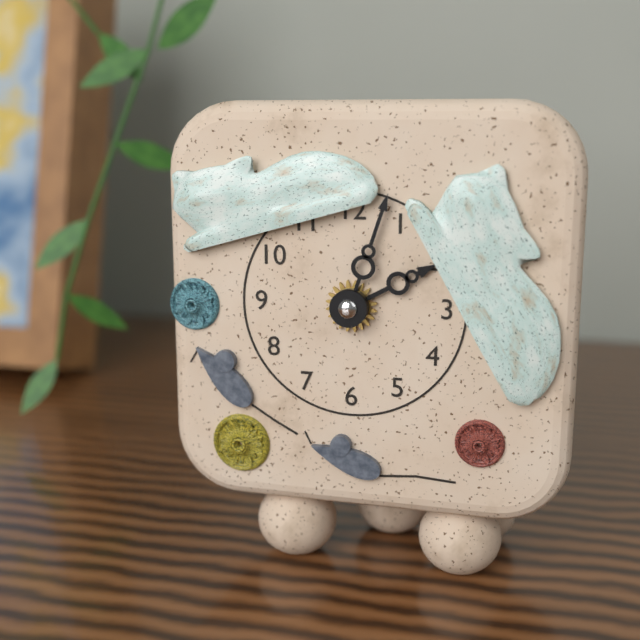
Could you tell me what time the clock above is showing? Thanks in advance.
2:03
